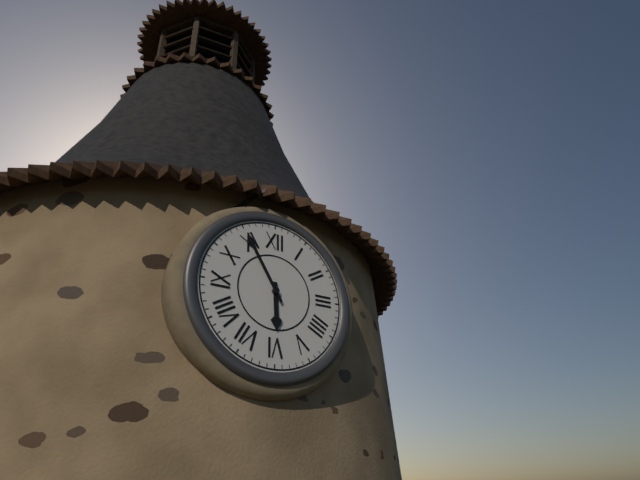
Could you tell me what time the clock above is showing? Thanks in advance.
5:55
